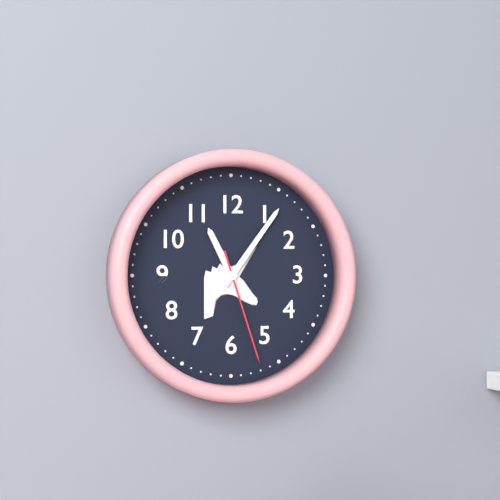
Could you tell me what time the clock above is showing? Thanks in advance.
11:06:27
